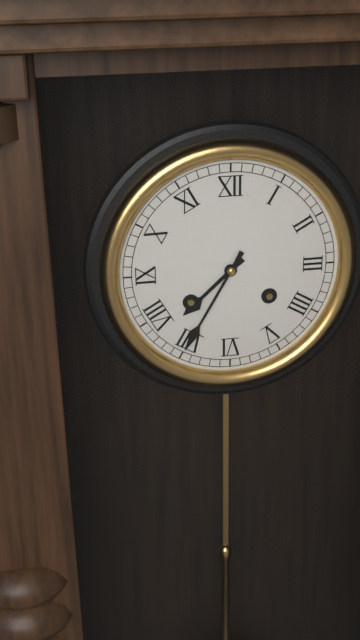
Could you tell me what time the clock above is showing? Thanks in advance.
7:35
